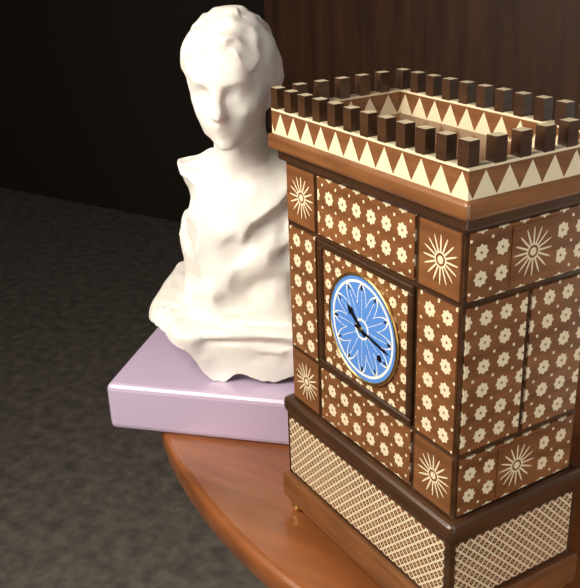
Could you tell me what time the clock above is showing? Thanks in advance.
10:17
